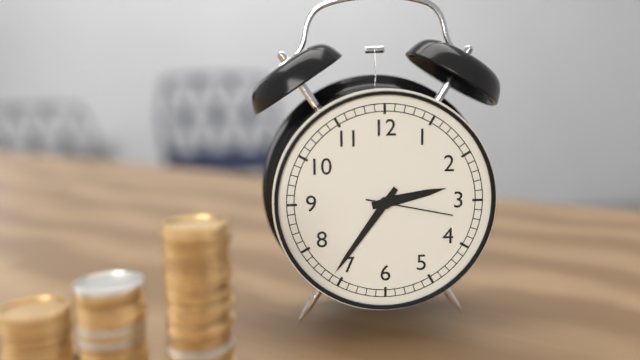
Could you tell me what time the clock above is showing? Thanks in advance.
2:36:17
